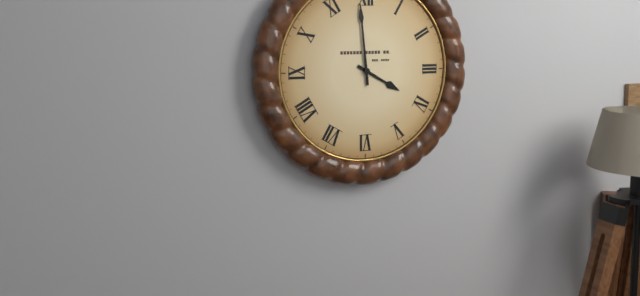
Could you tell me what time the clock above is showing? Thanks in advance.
3:59
